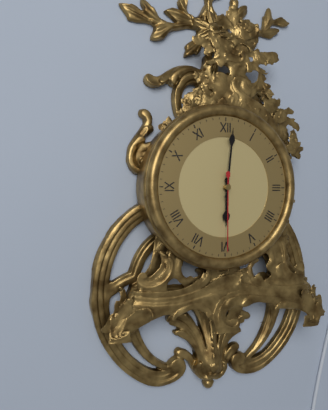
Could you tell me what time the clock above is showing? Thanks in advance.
6:01:30
